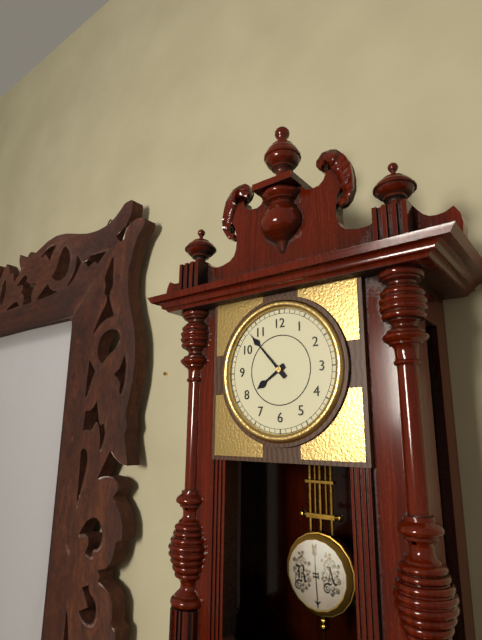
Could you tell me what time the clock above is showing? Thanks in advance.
7:53
